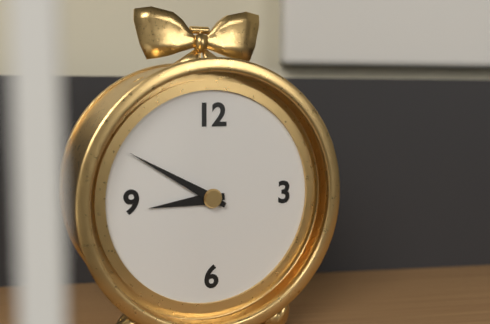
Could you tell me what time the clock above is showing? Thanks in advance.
8:50
